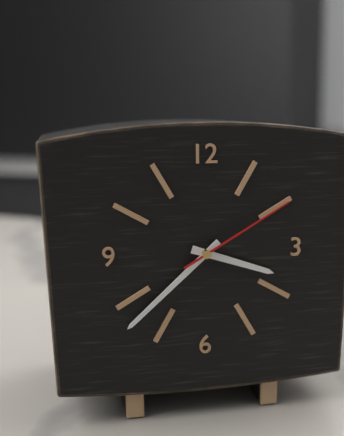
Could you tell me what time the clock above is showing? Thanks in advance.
3:38:10
